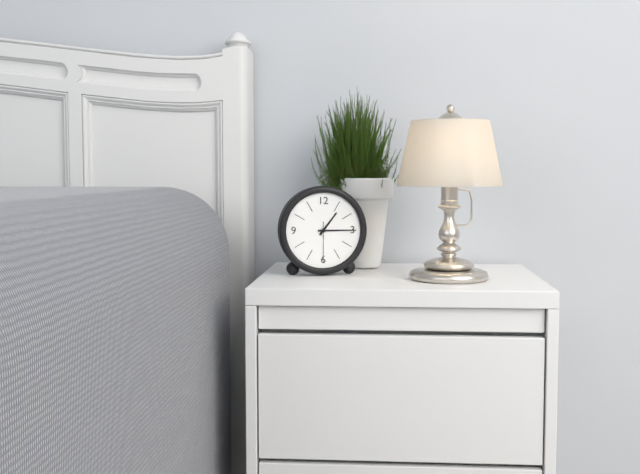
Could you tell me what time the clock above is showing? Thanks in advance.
1:15
